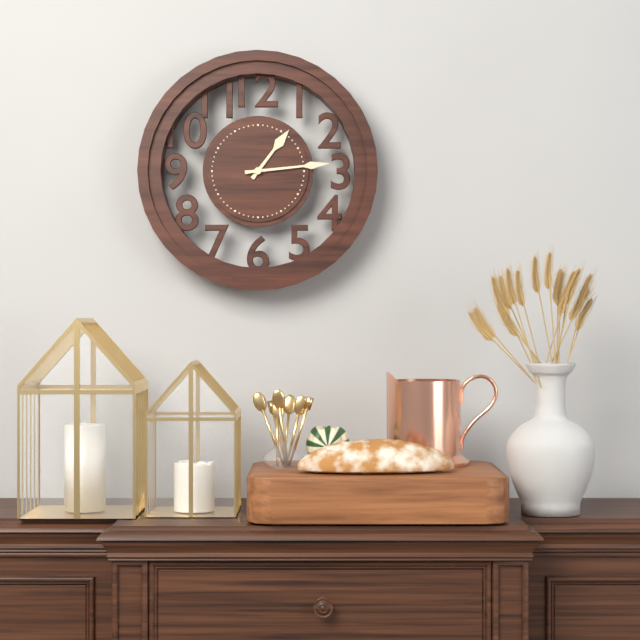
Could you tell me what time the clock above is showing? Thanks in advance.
1:14
